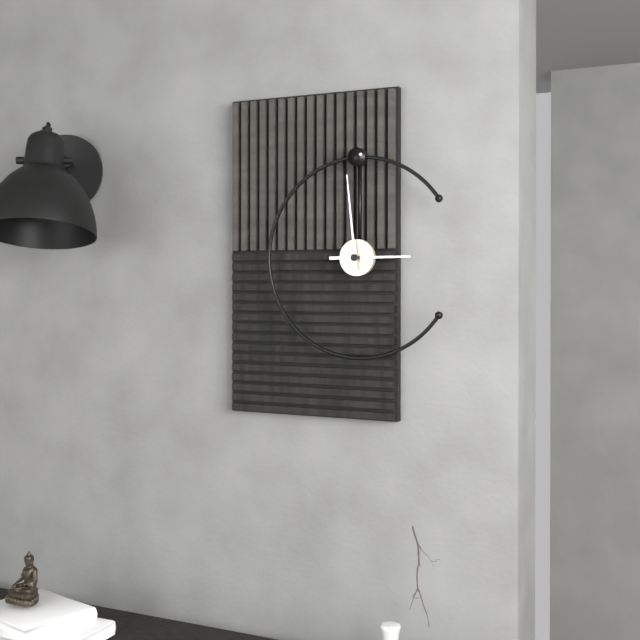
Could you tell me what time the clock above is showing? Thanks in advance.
2:59
